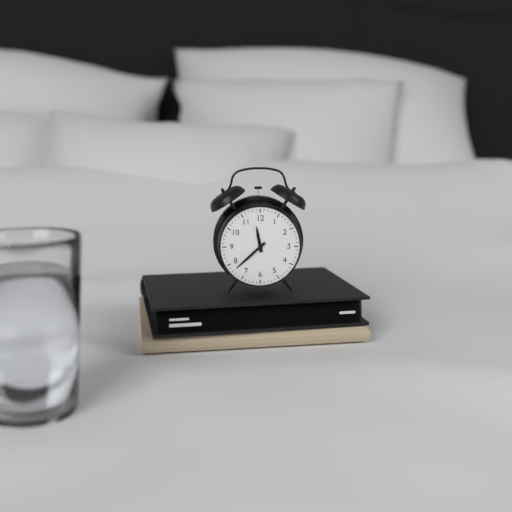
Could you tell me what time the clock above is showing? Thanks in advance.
11:38
